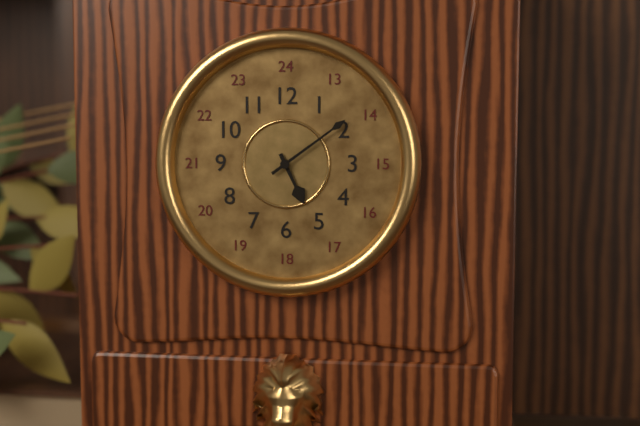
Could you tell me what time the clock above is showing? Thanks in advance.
5:09
